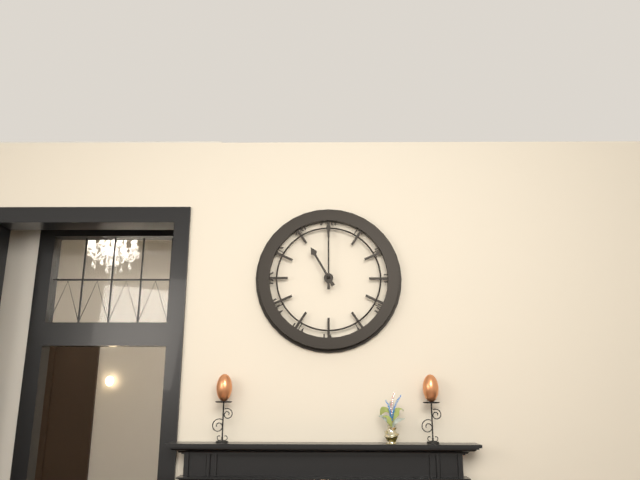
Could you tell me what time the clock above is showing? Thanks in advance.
11:00
